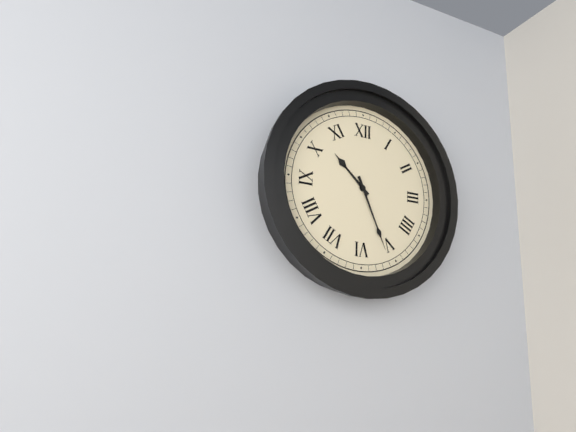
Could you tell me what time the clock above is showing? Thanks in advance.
10:26
